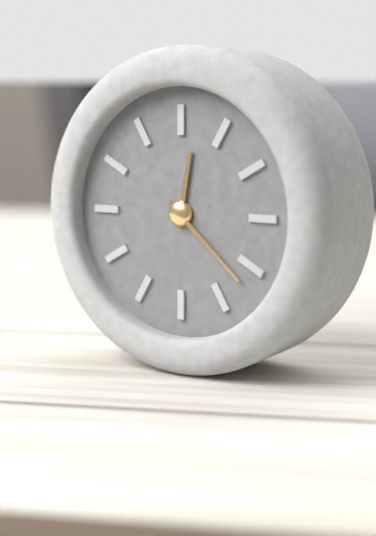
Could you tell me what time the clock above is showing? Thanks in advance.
12:22
